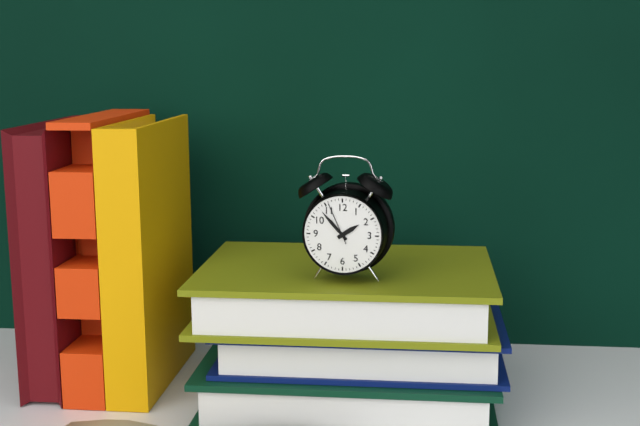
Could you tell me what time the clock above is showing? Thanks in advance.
1:53
